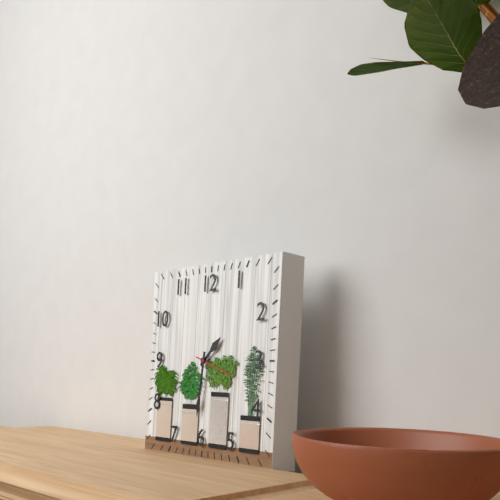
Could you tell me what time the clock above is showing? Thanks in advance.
1:31
